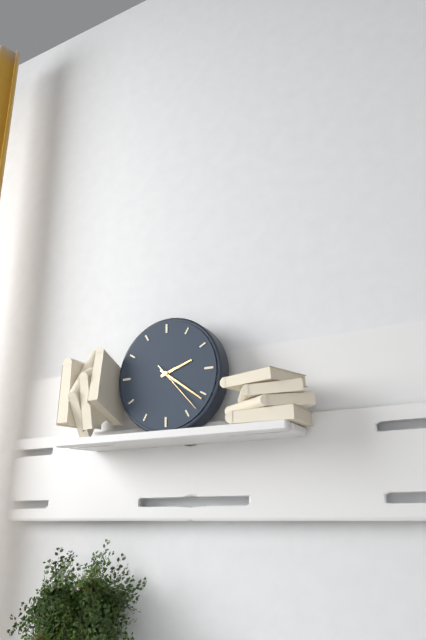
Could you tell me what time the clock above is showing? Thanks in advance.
2:21:23
